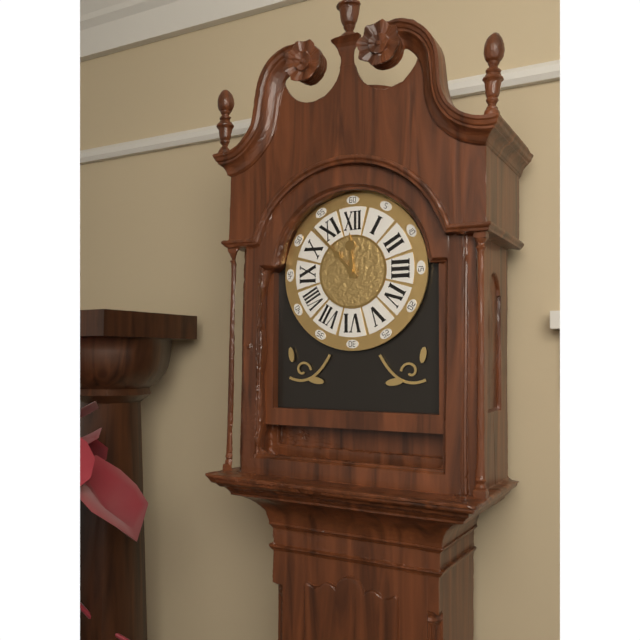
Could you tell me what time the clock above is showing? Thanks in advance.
11:53
